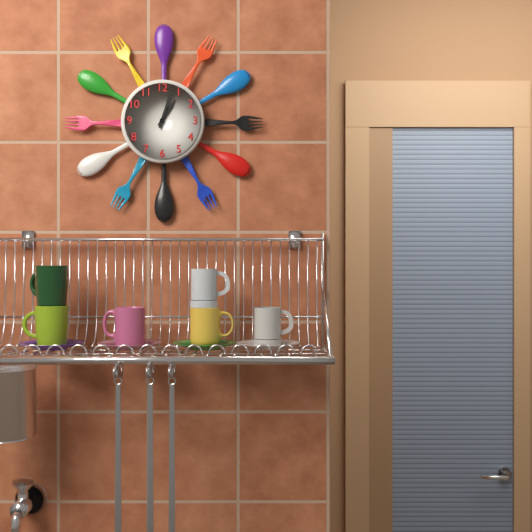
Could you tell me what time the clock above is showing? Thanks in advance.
1:03
